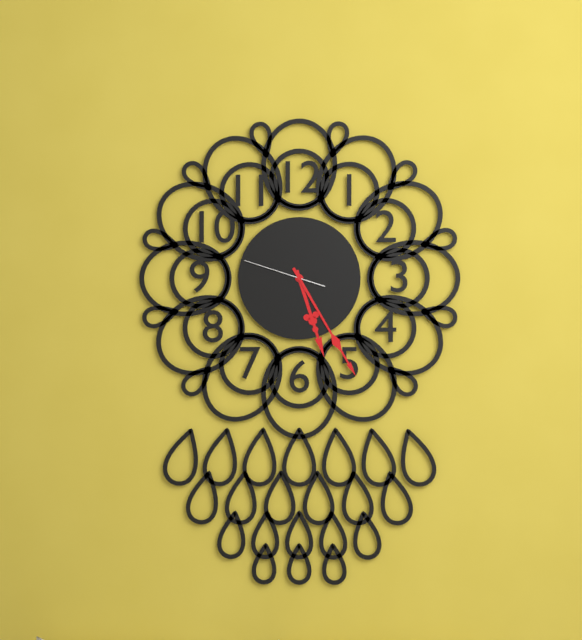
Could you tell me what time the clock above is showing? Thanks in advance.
5:25:48
